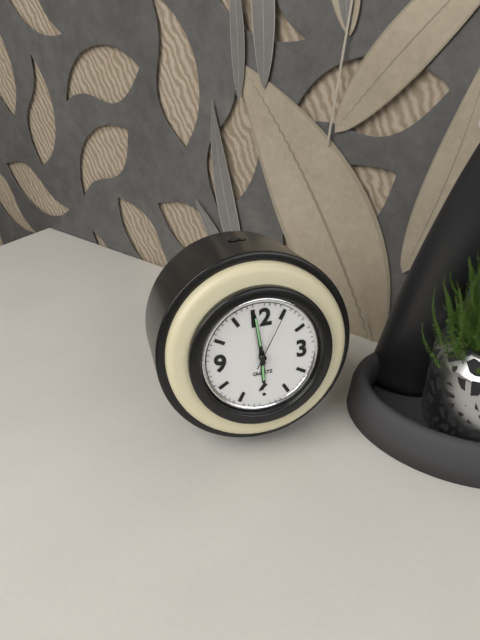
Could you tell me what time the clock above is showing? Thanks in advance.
5:59:05
